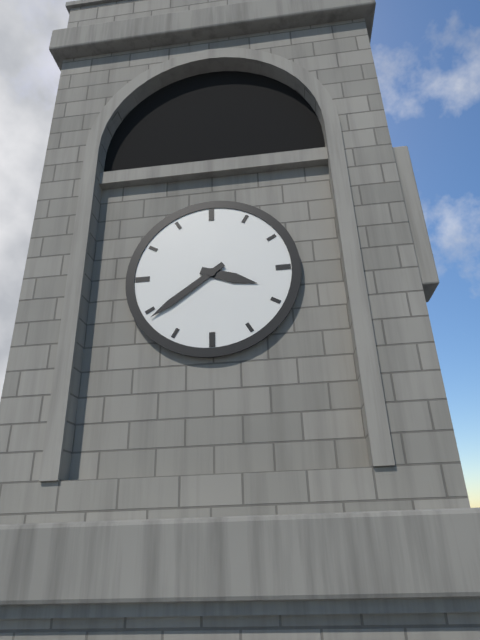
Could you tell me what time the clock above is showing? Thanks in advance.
3:39
